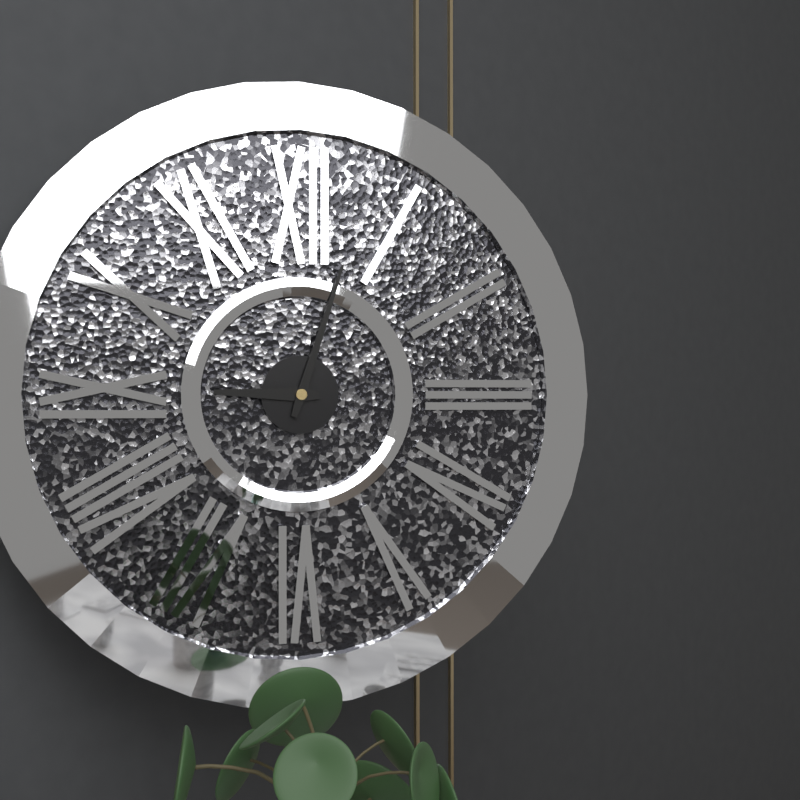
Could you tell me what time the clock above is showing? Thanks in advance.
9:03
